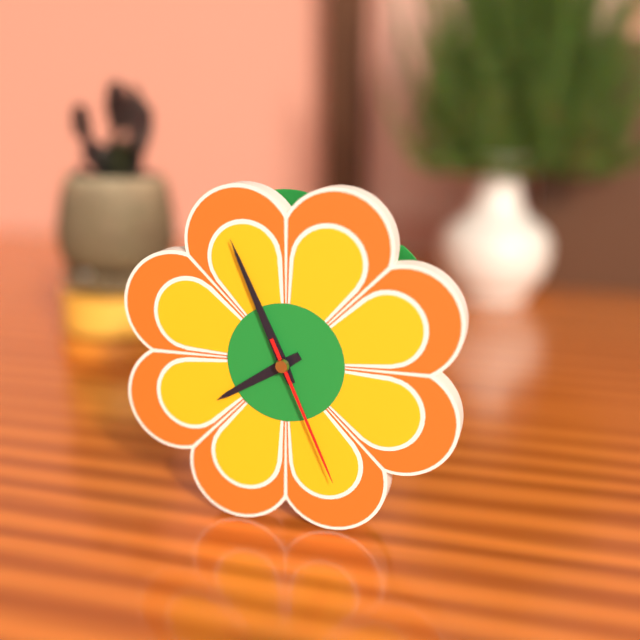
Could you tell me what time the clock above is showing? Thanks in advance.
7:56:26
